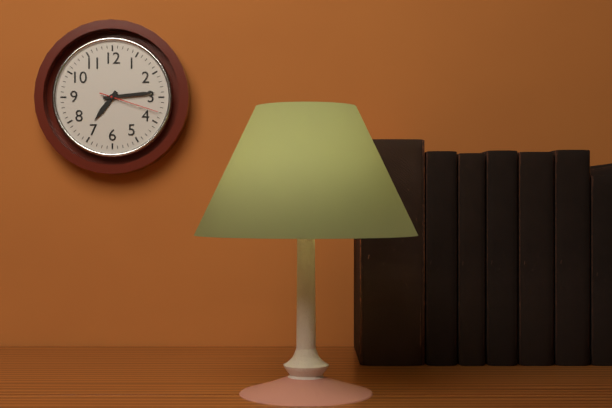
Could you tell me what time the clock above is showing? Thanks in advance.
7:14:18
